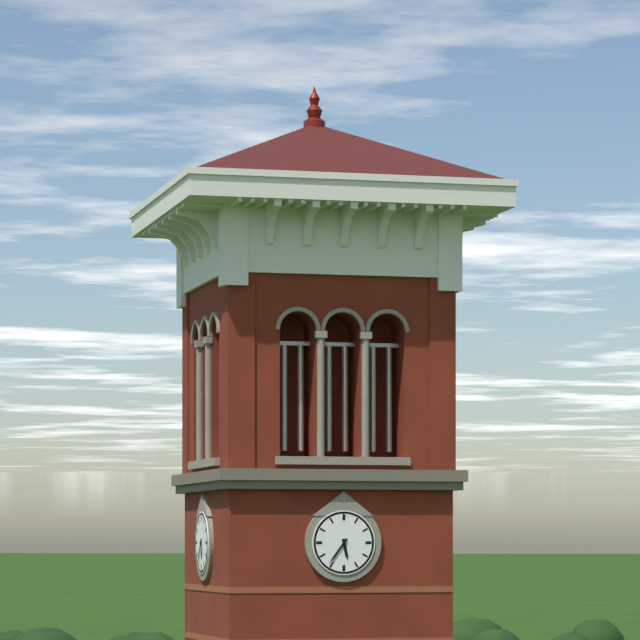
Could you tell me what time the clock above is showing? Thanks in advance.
5:36
